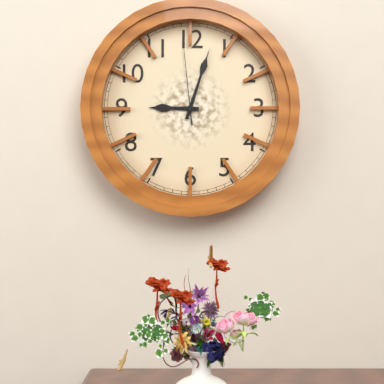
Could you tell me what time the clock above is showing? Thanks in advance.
9:03:59
